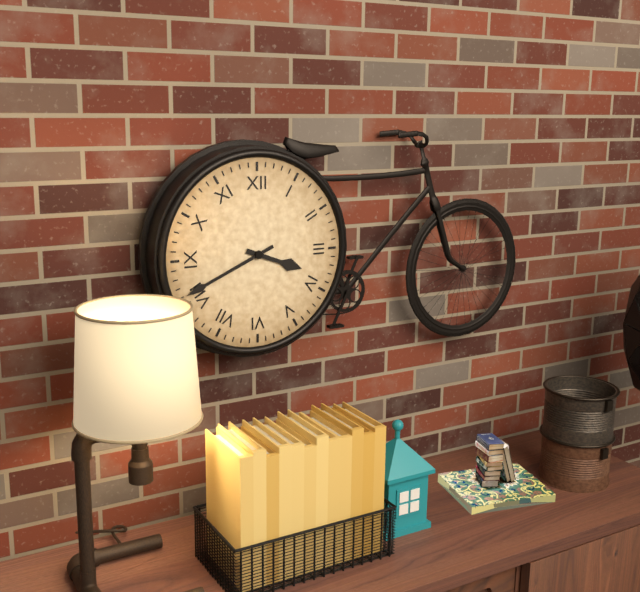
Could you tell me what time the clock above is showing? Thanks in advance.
3:41
